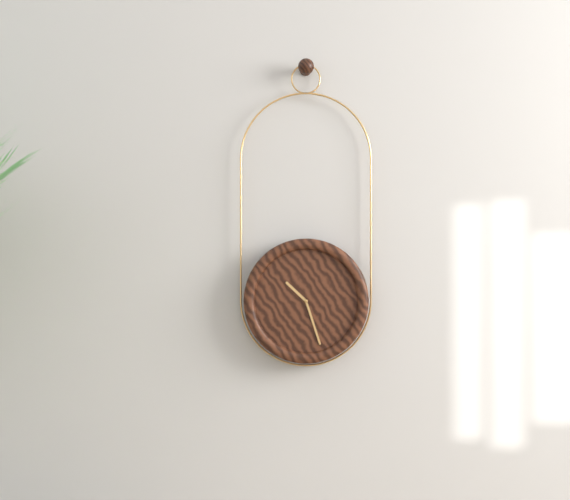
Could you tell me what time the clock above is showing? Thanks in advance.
10:27
